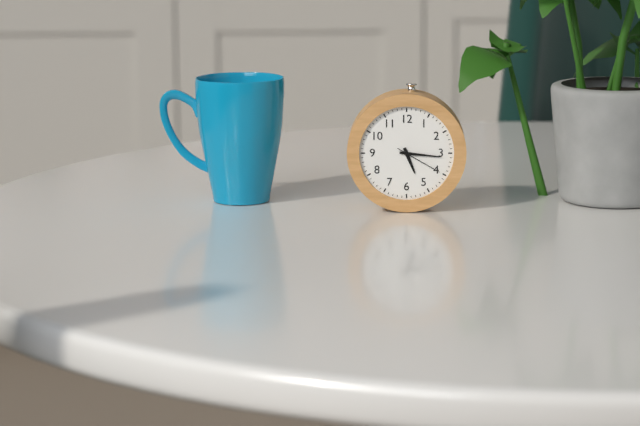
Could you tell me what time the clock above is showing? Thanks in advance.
5:16
